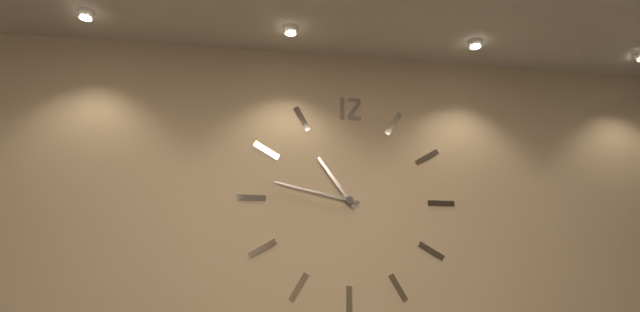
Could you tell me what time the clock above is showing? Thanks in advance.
10:47
